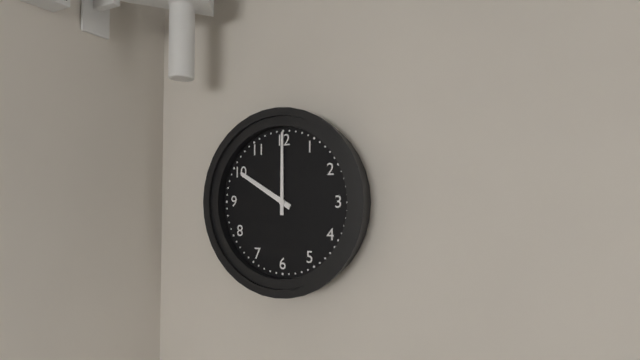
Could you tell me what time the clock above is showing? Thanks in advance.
10:00
